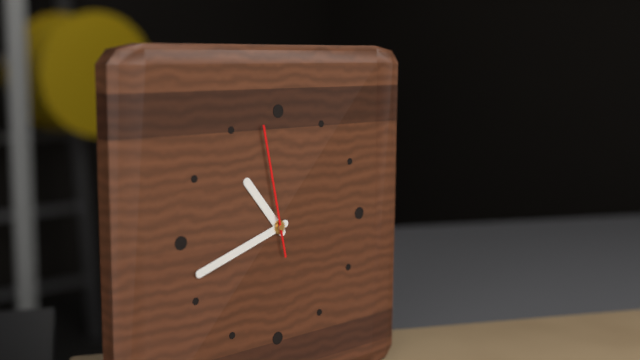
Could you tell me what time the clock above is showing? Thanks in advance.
10:42:58
